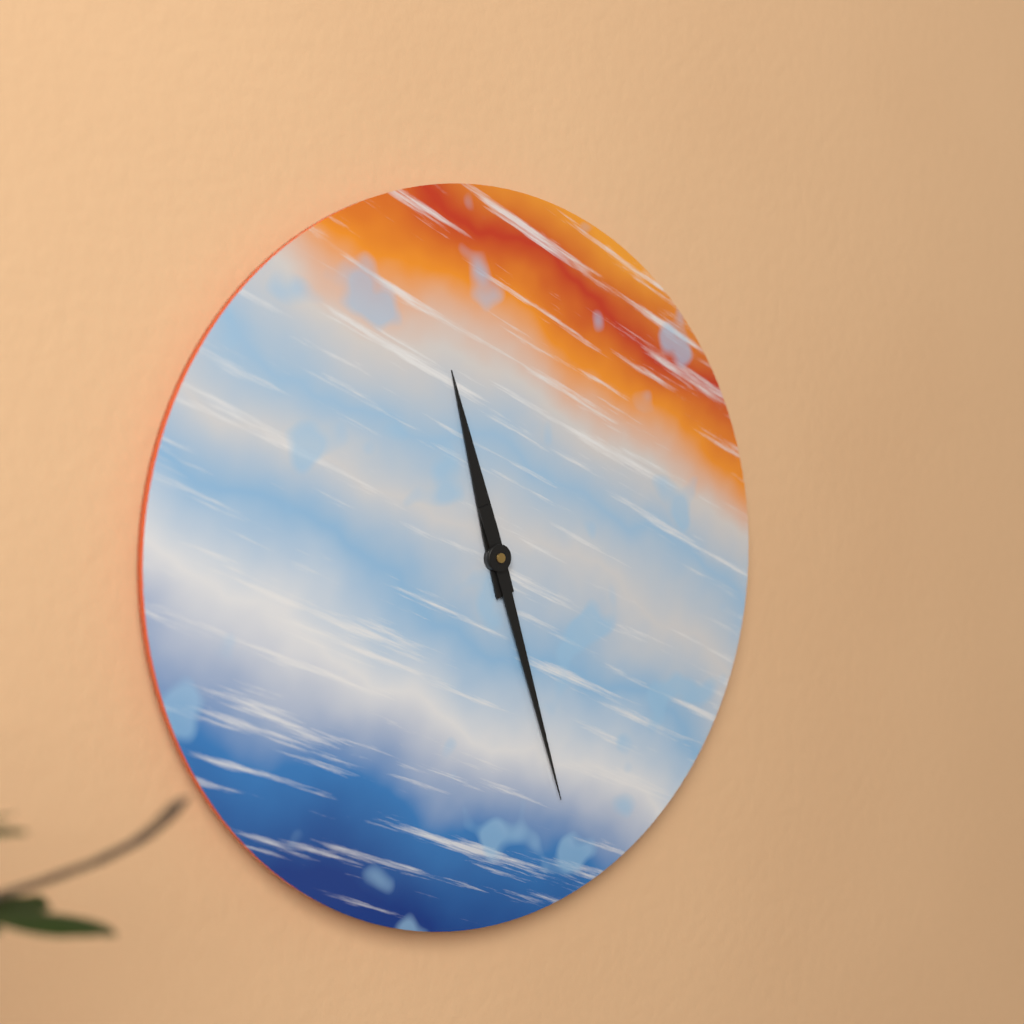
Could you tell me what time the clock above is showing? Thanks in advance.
11:27
